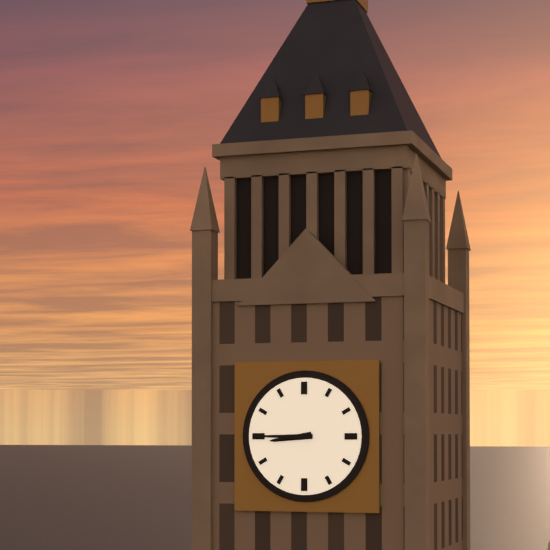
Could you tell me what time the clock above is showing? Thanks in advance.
8:45
